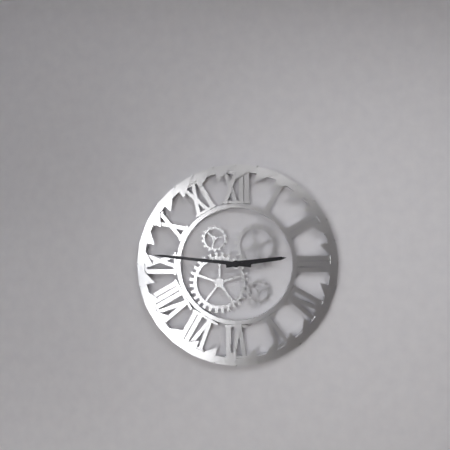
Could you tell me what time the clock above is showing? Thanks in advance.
2:46
